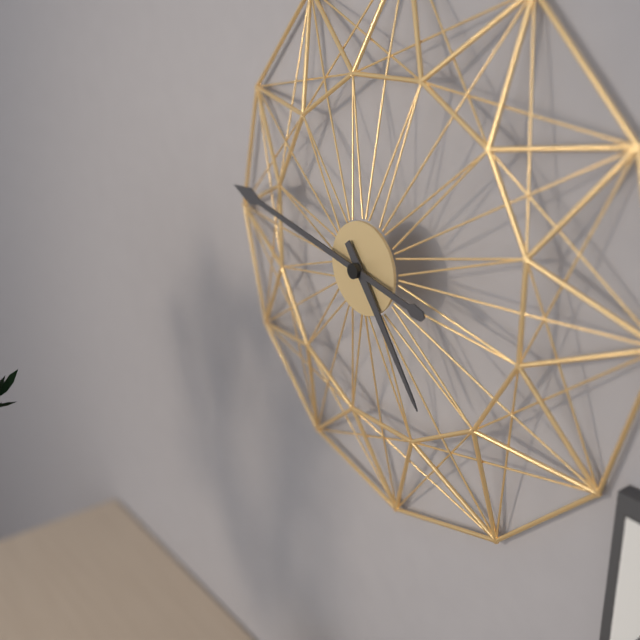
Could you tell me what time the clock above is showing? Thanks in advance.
4:47
